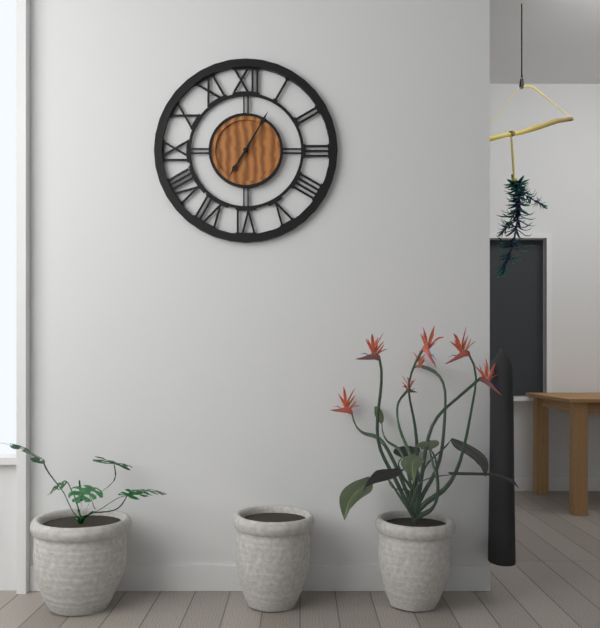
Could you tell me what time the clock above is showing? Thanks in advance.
7:05
